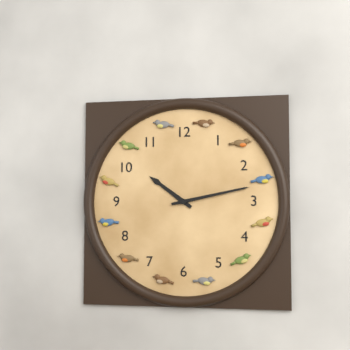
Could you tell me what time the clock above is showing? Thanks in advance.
10:13
